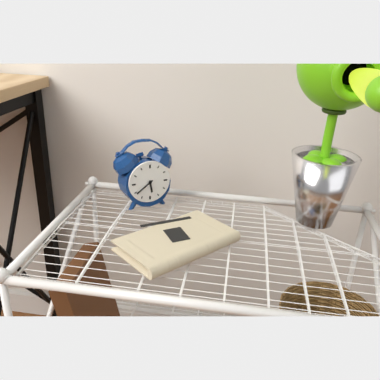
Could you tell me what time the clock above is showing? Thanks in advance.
5:39
